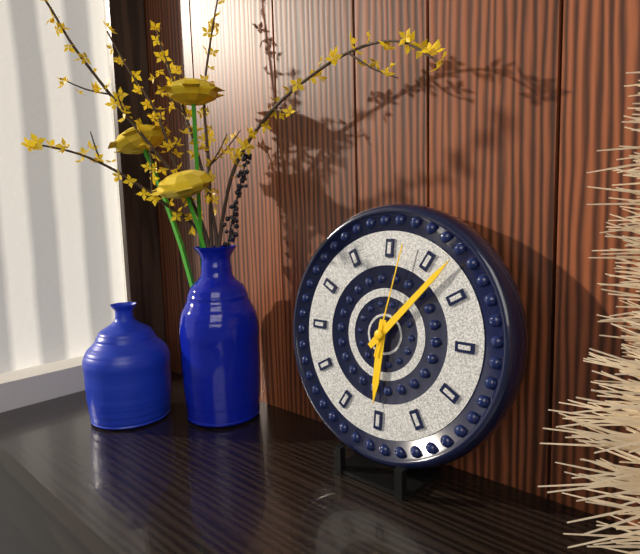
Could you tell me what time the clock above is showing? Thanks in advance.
6:07:02
